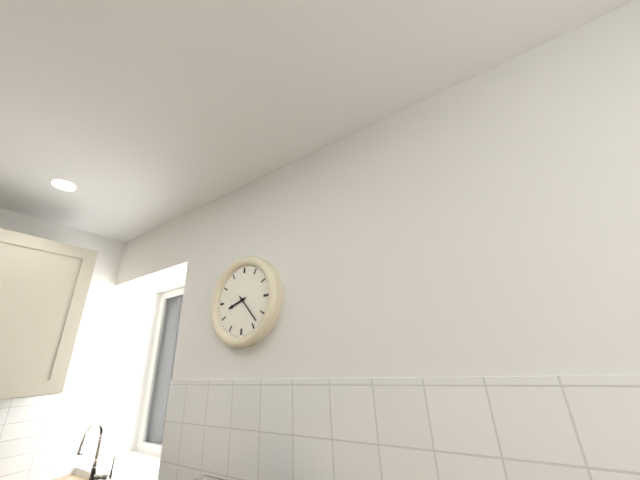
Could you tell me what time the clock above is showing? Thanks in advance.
8:23
